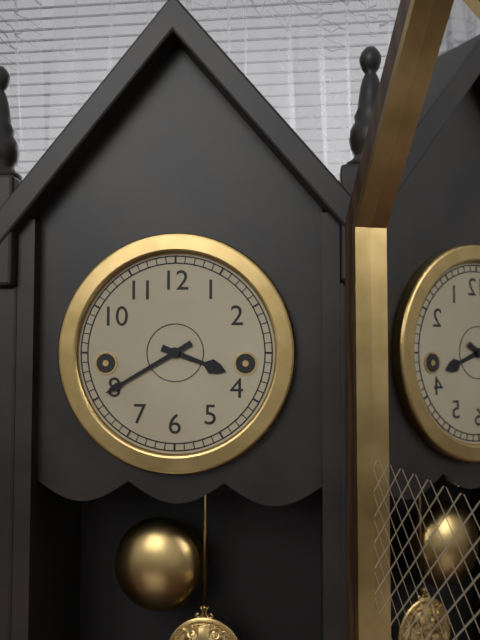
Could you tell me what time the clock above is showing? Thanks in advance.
3:40
